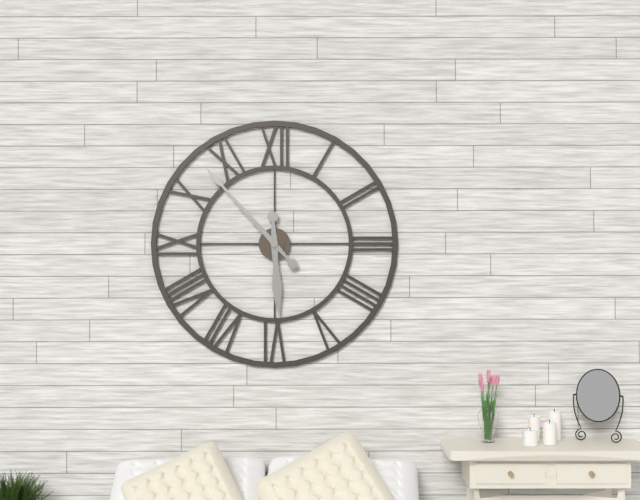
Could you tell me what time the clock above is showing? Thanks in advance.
5:53
